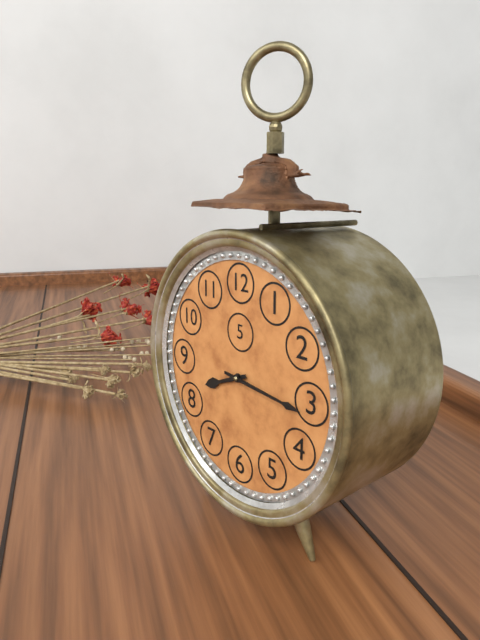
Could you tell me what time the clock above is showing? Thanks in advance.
8:16
